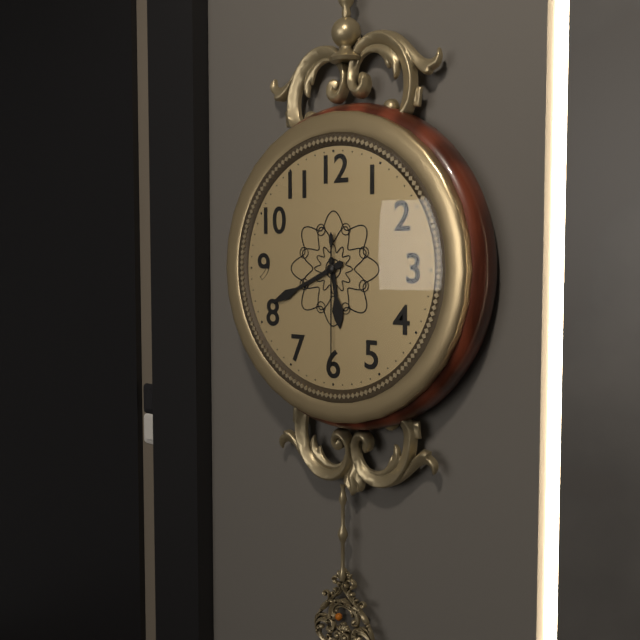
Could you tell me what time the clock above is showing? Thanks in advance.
5:41:30
